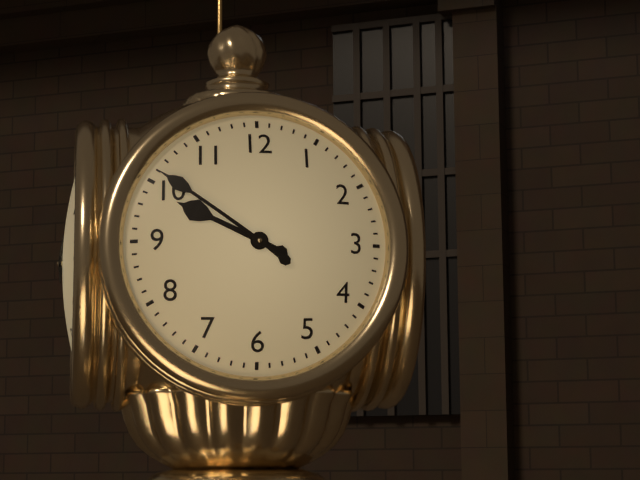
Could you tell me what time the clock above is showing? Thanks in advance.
9:51
